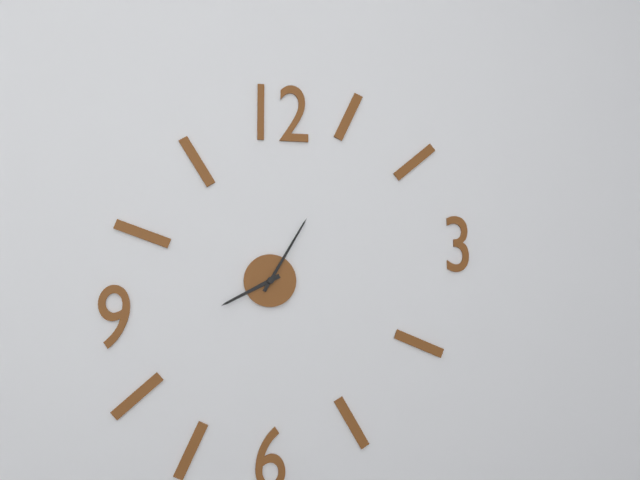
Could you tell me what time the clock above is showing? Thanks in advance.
8:05
